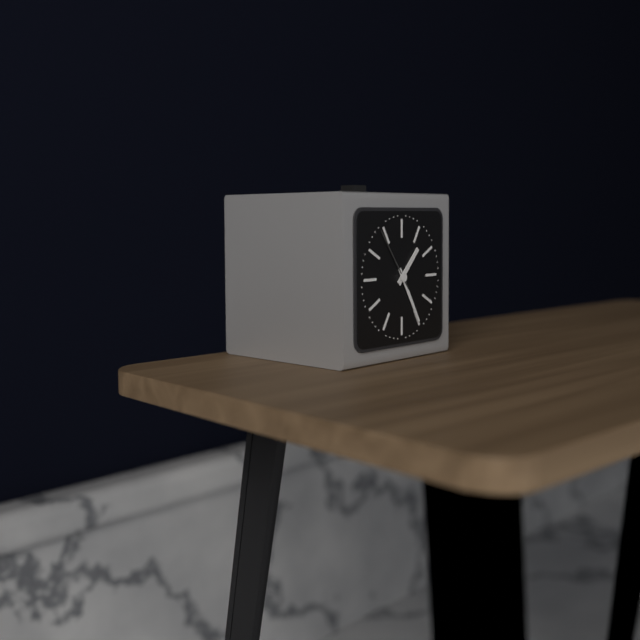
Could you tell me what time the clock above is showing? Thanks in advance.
1:25:54
